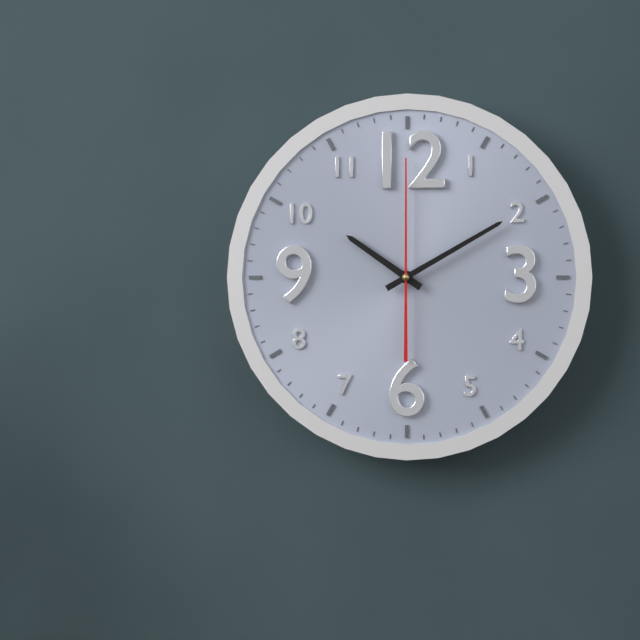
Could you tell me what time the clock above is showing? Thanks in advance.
10:10:00
